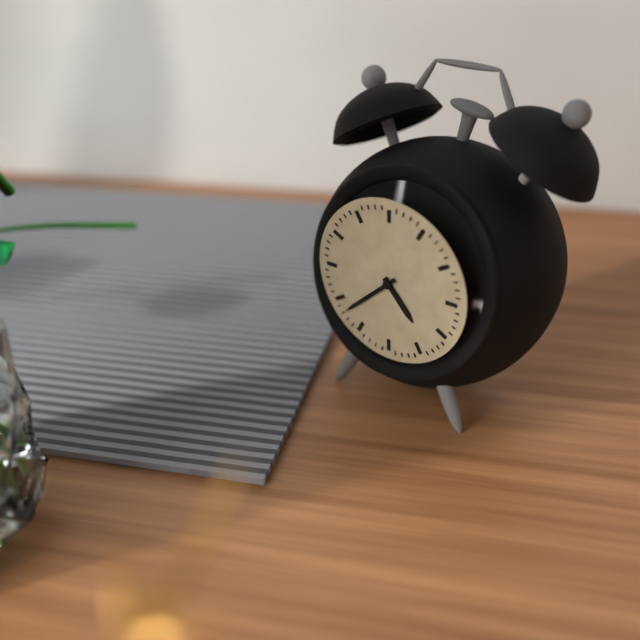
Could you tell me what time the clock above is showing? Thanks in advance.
4:38
